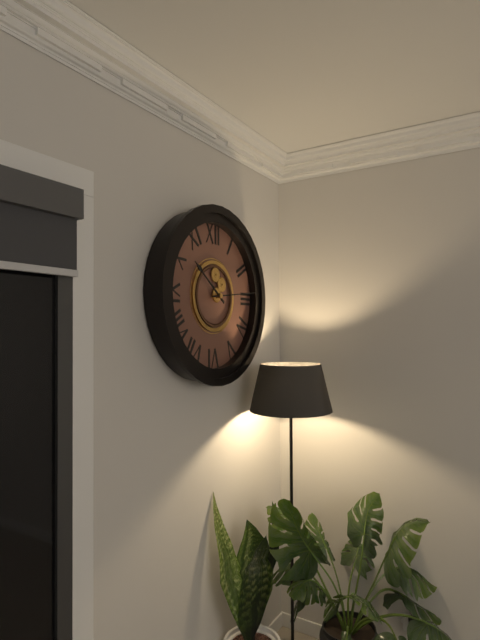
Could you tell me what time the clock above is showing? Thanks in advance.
10:14
